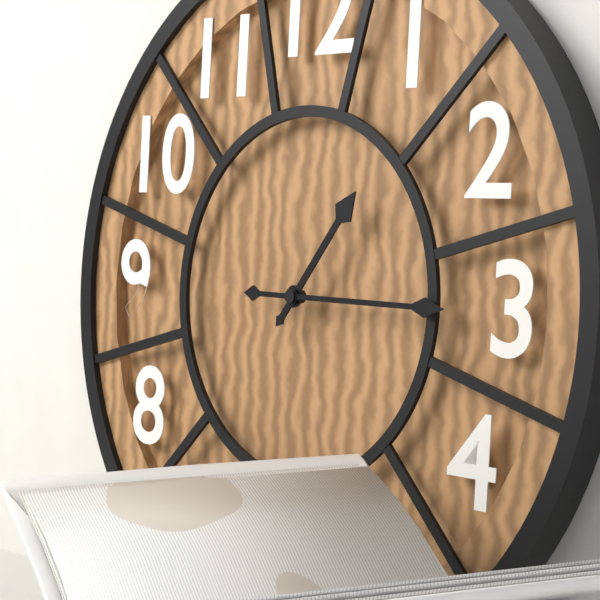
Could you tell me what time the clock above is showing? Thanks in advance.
1:15
